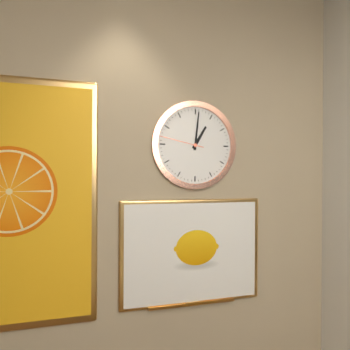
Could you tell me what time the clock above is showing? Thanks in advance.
1:01
